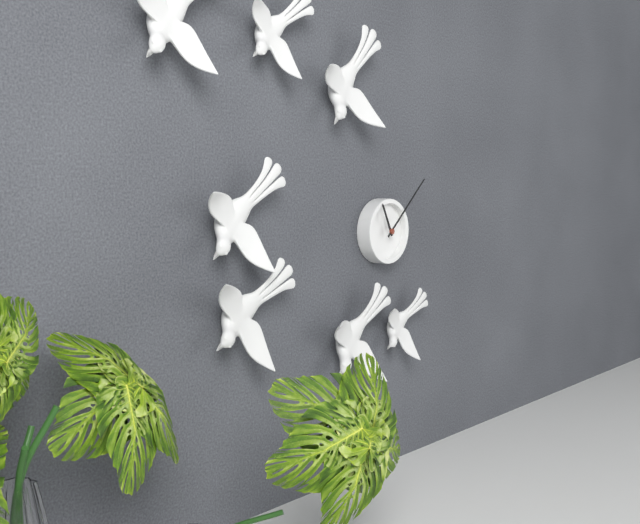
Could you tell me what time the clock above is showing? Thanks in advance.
11:08
